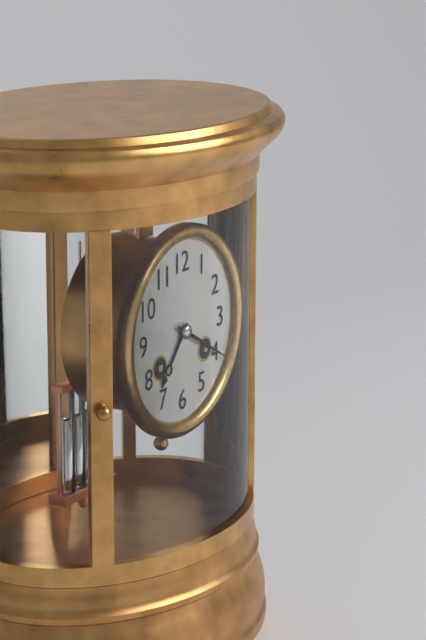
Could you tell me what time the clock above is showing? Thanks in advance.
7:20
